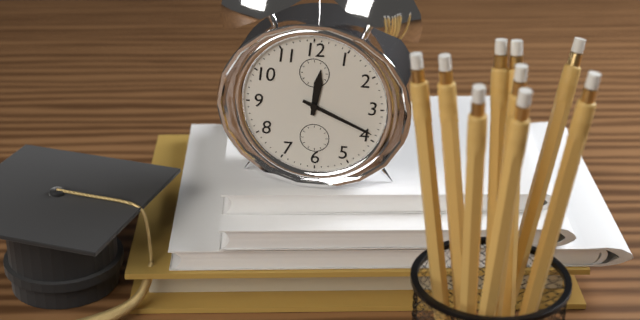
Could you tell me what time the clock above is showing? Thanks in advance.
12:19
